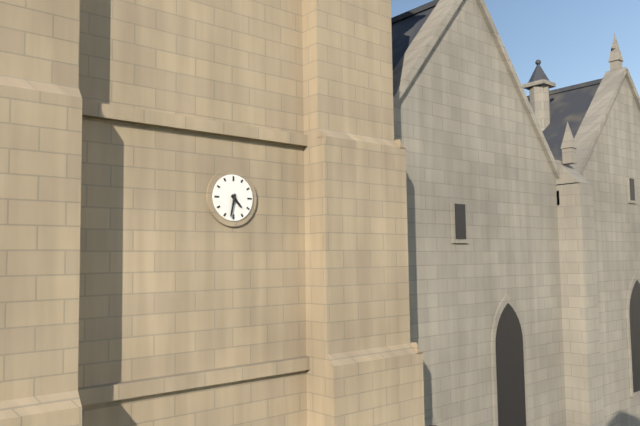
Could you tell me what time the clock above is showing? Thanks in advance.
4:32
